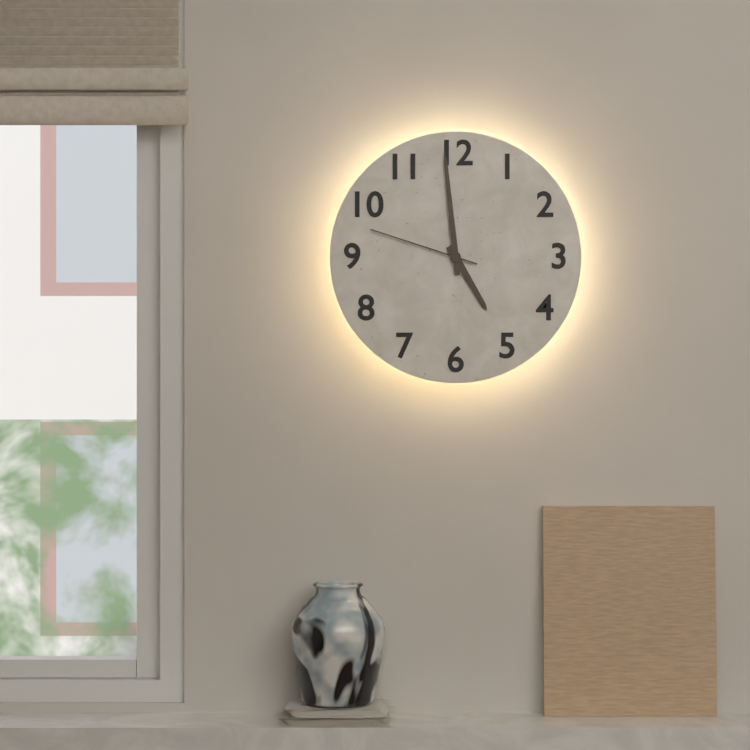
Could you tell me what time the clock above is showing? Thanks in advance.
4:59:48
